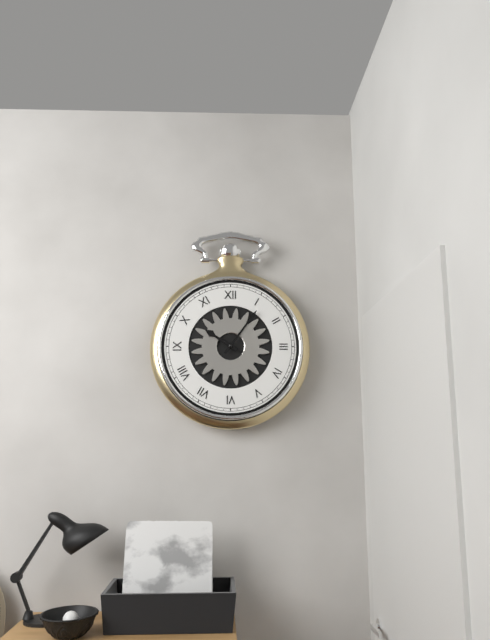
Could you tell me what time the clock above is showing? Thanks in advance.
10:06
